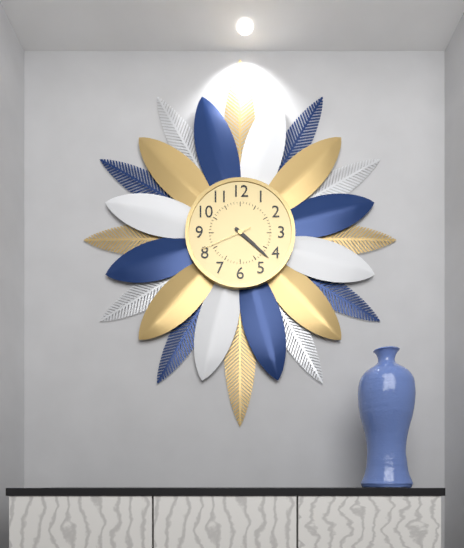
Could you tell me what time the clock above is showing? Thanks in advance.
4:22
